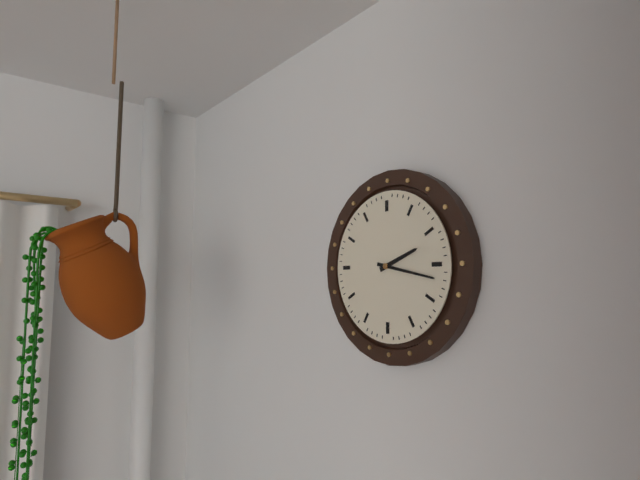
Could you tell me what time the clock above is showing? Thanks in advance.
2:17
